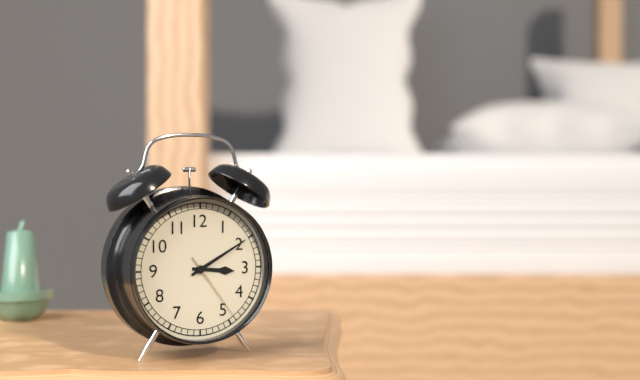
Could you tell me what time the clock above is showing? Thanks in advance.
3:10:24
